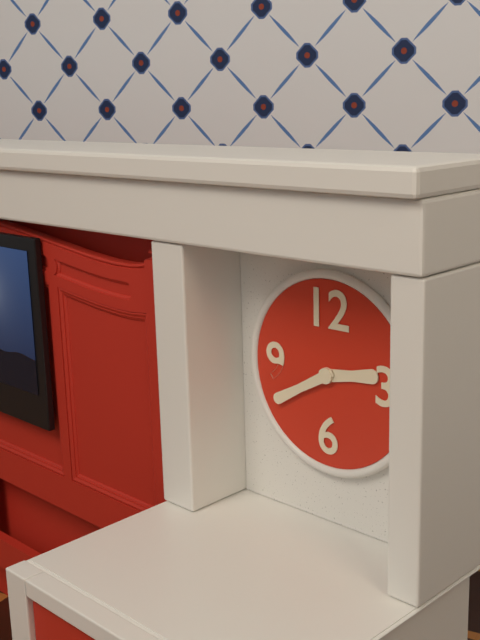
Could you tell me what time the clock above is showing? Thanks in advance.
2:40
